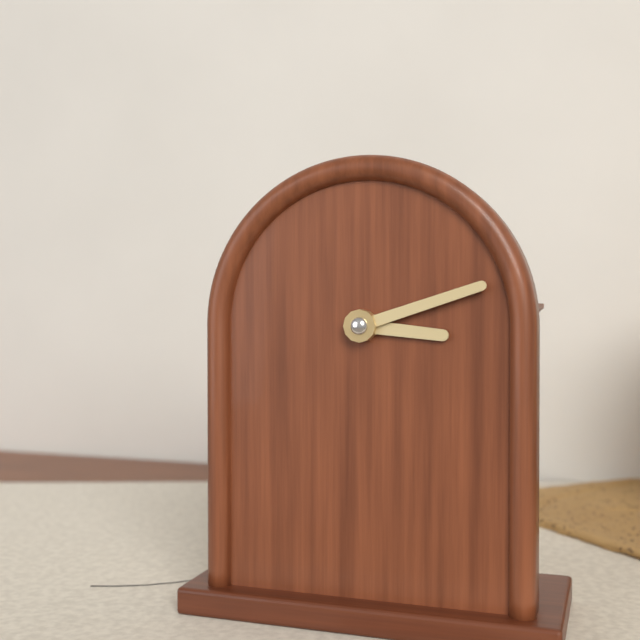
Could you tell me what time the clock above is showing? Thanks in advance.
3:12
